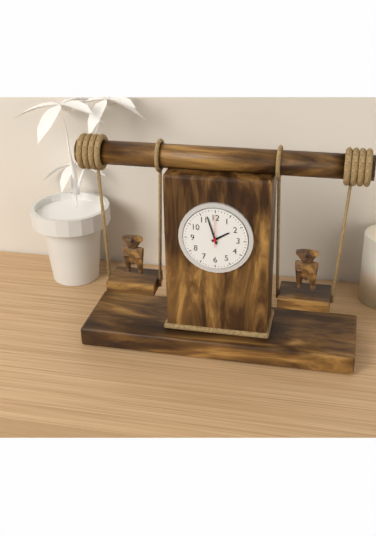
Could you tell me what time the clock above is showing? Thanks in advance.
1:57
